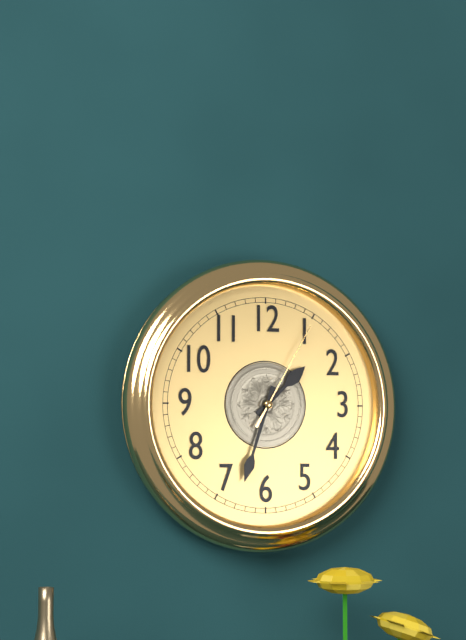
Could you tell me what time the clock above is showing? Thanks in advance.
1:33:05
